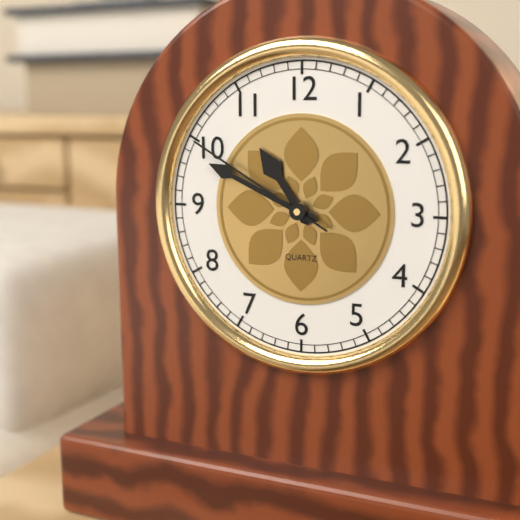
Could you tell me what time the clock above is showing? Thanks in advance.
10:49:50
